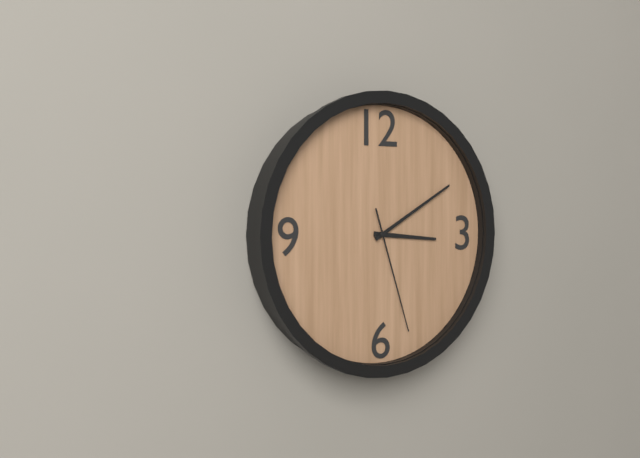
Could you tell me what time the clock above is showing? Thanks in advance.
3:10:27
